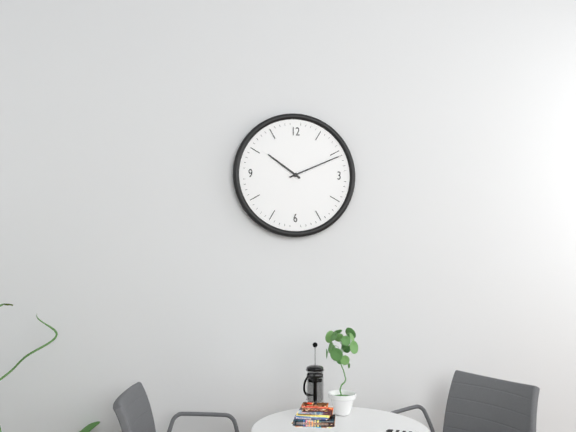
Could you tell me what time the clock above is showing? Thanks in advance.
10:11
